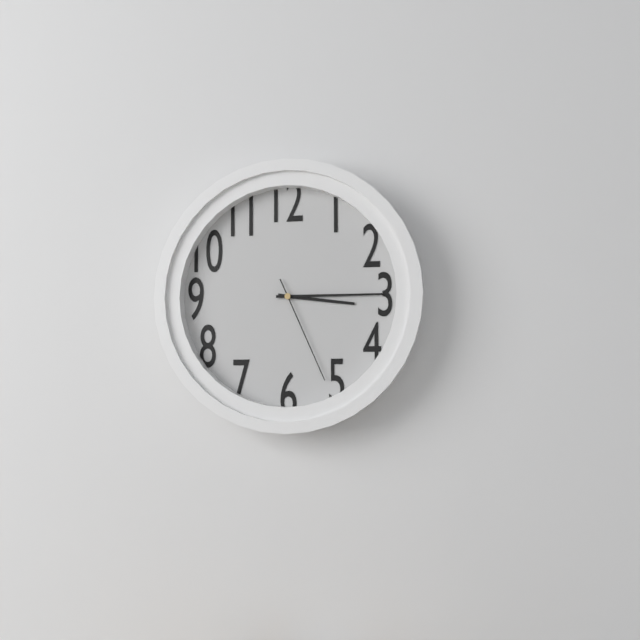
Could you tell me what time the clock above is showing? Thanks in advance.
3:15:26
